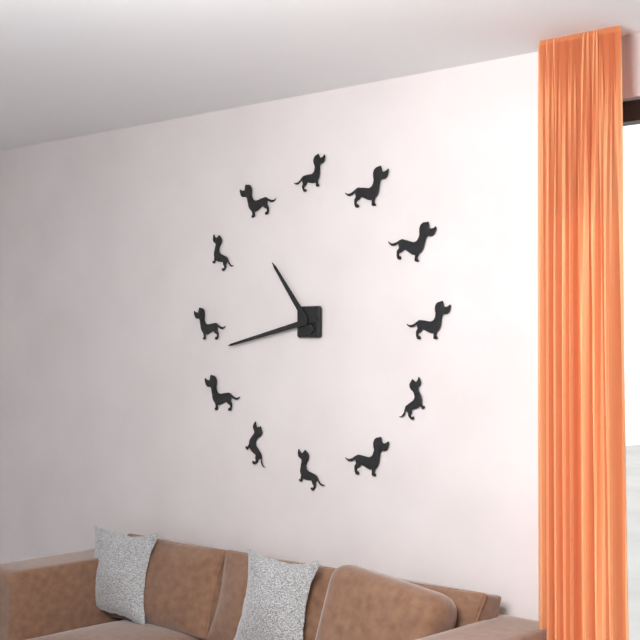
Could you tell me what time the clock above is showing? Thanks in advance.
10:43
